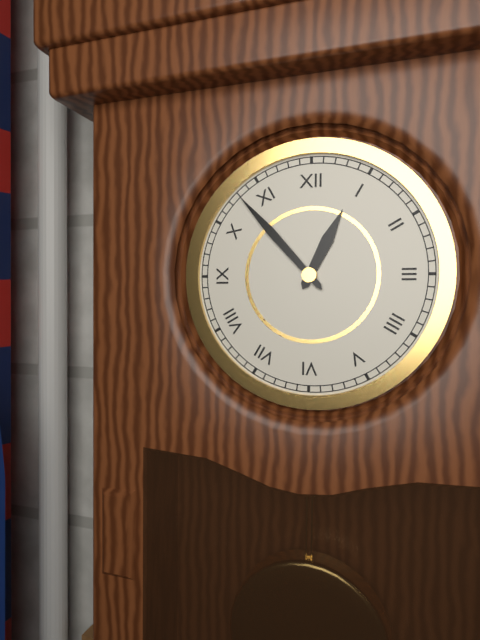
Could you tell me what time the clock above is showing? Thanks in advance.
12:53
